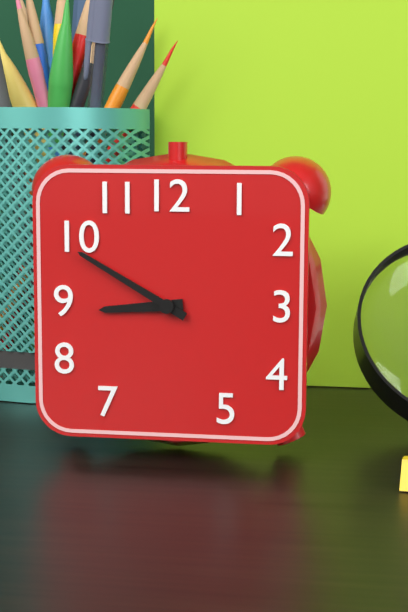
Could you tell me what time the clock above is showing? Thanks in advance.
8:50
